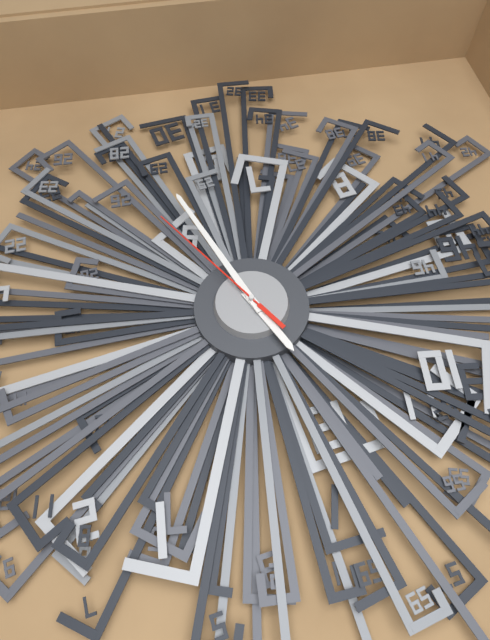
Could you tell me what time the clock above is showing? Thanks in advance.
11:28:26
